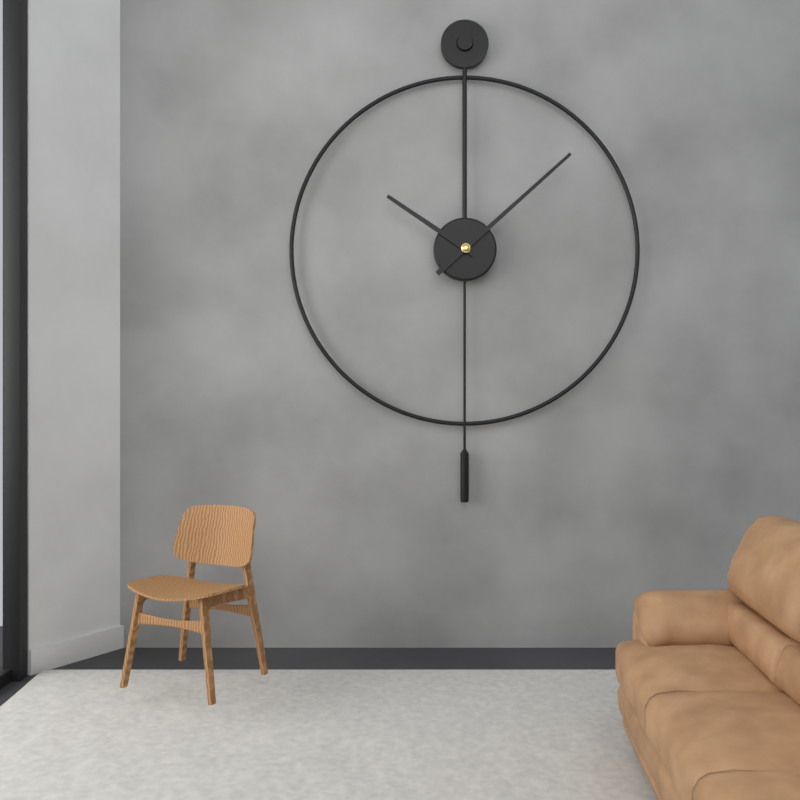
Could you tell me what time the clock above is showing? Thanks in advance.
10:08
